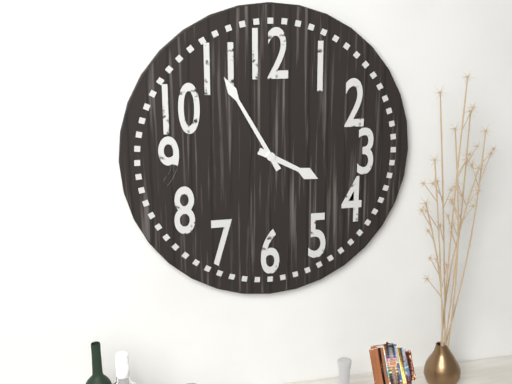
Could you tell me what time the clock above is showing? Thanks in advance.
3:55
